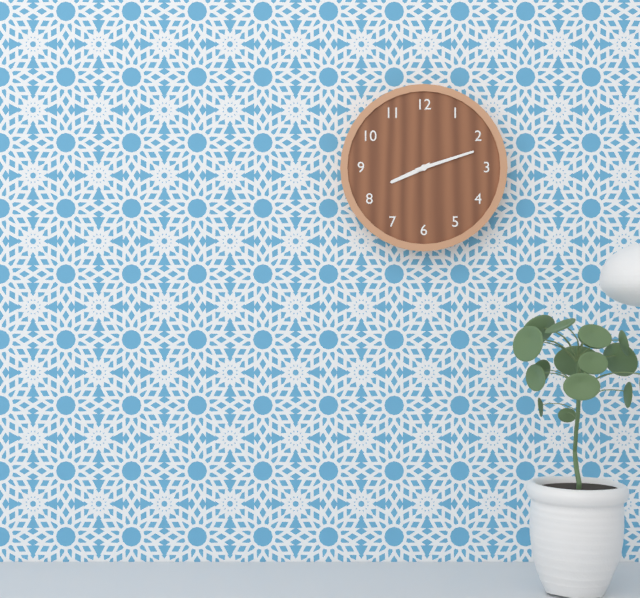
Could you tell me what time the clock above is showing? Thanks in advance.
8:12
